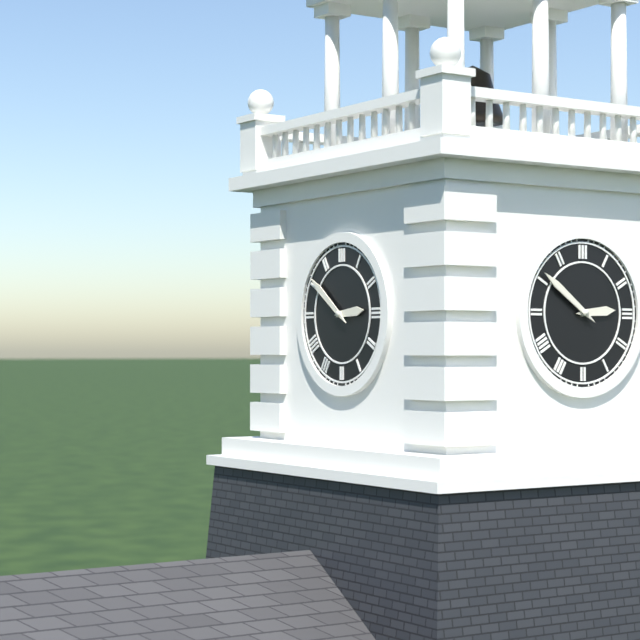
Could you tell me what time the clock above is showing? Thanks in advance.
2:51
